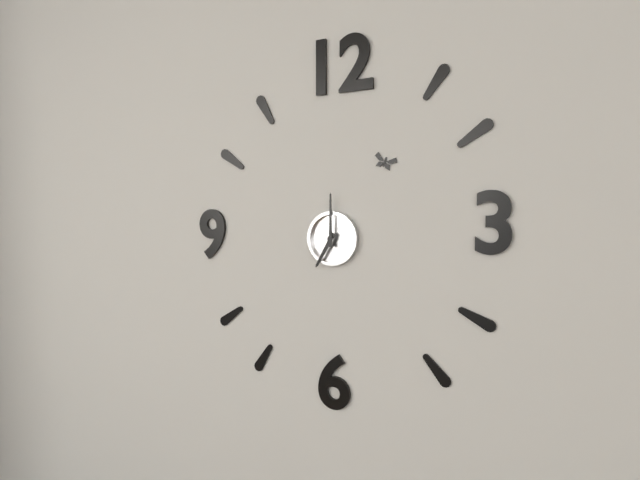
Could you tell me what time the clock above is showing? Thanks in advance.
7:00
